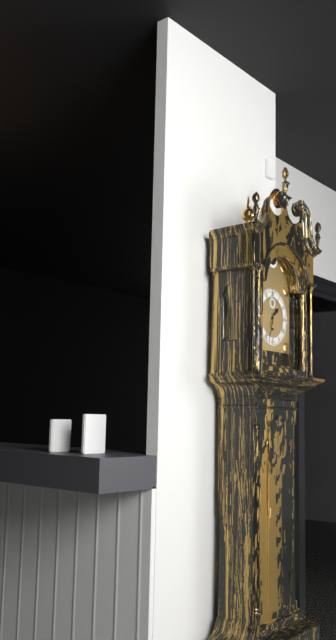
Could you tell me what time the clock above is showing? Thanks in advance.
1:33
